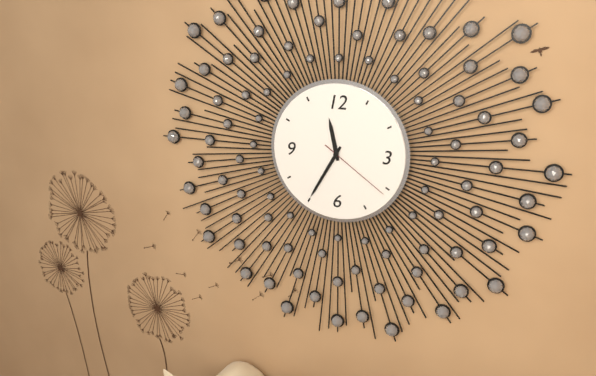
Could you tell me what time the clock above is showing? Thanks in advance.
11:35:21
